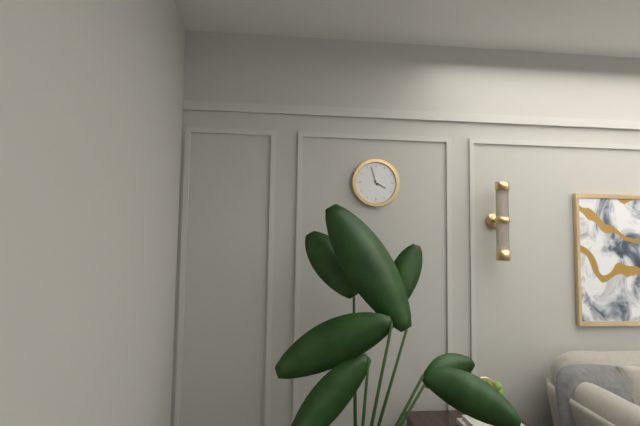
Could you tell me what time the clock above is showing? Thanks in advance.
3:57
